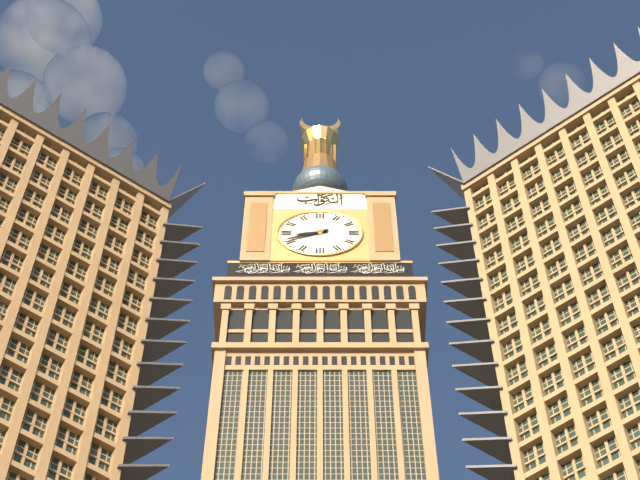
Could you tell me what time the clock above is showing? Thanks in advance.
8:41
